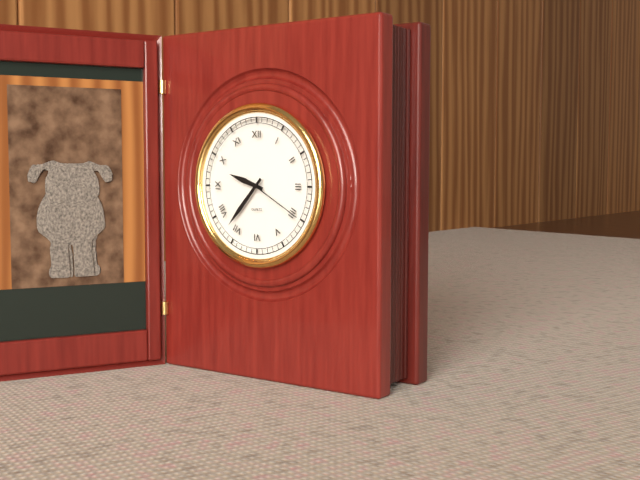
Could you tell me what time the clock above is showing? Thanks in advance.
9:37:20
